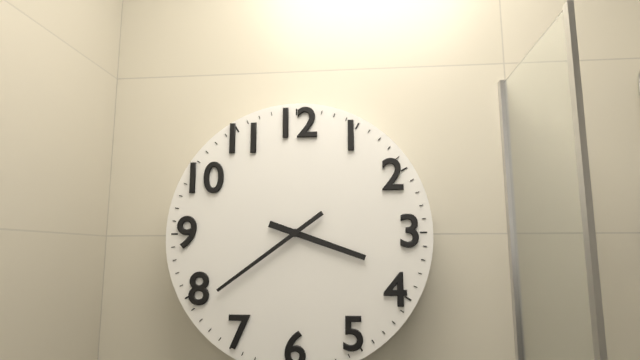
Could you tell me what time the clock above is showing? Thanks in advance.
3:39
